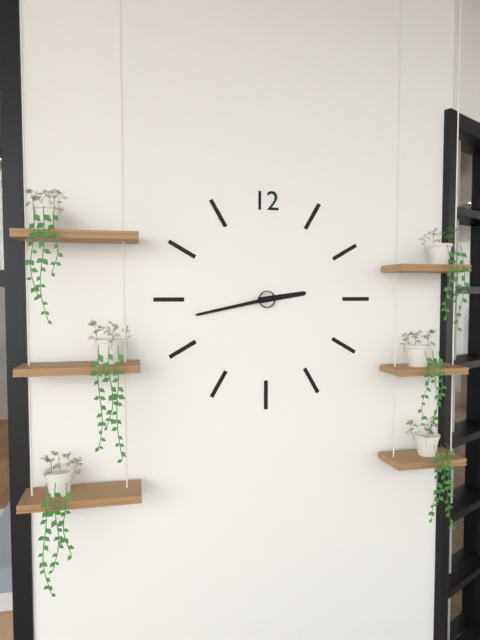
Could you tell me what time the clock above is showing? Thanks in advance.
2:43
